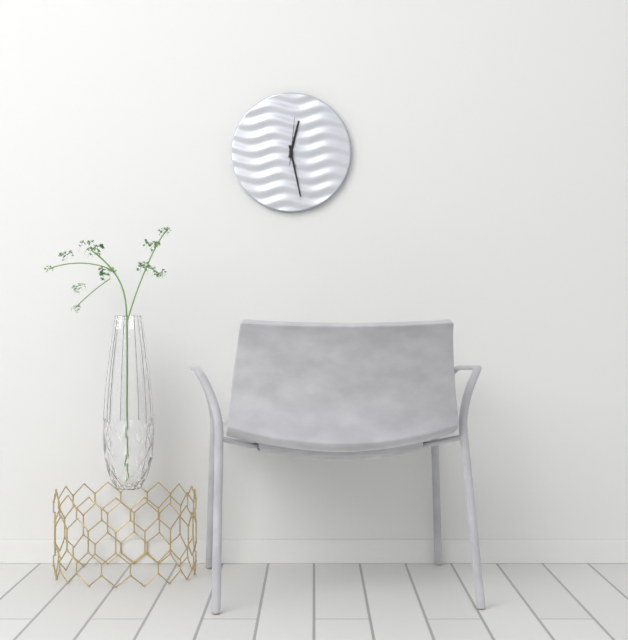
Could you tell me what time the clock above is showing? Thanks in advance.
12:28
